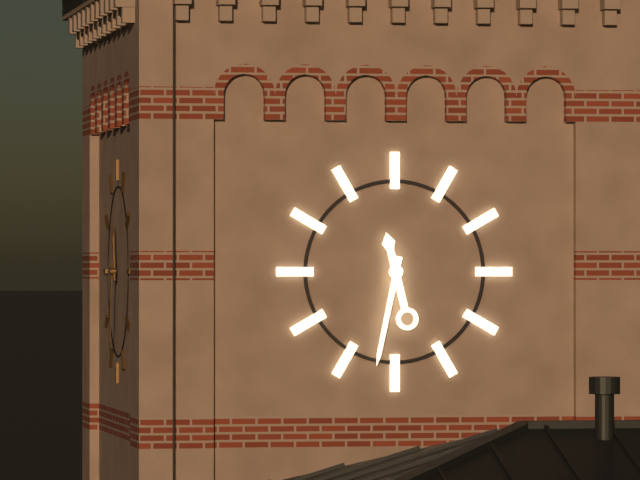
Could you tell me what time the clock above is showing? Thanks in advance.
11:32
